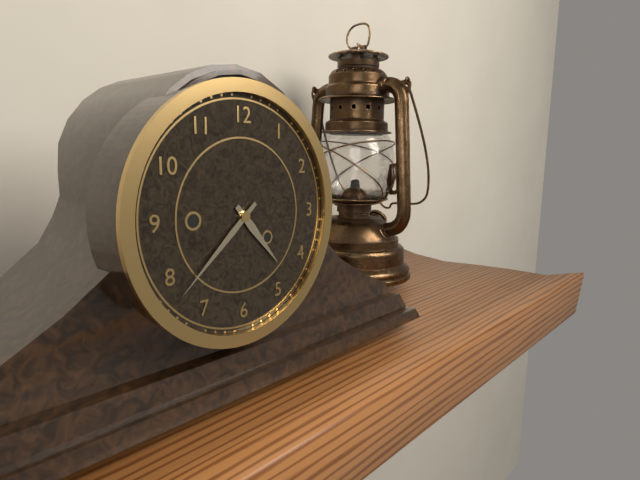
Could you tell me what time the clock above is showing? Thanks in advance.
4:38
